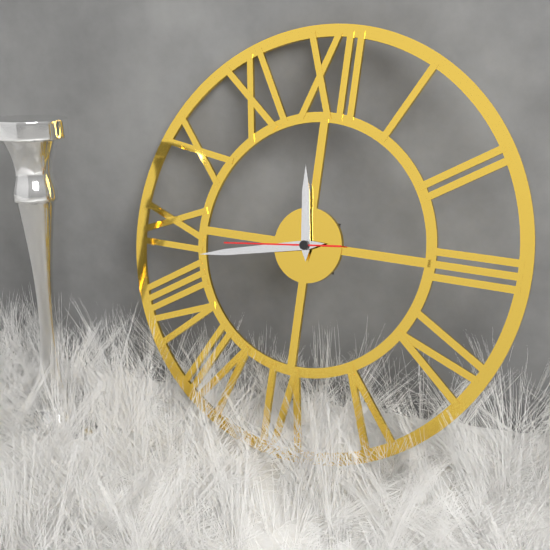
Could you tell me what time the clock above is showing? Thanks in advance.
11:43:44
